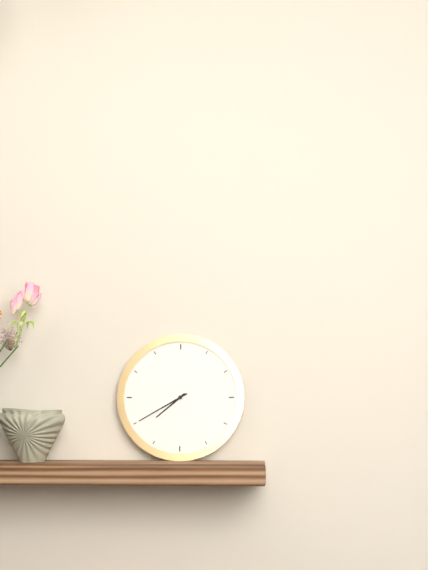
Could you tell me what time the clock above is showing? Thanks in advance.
7:40
